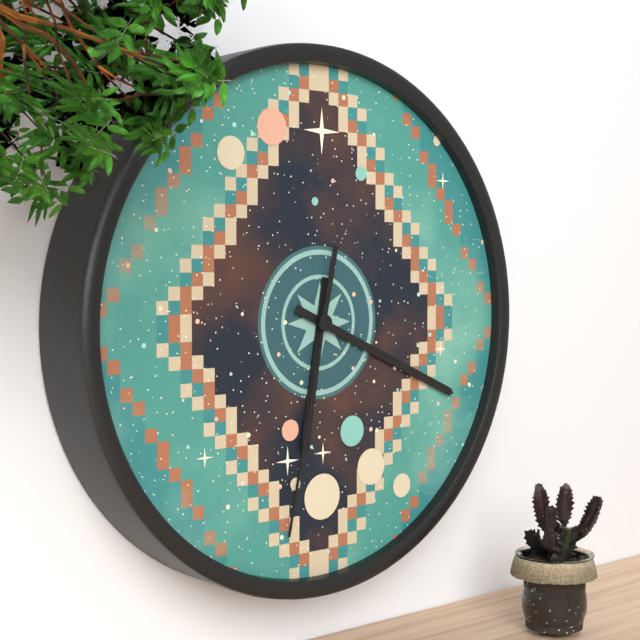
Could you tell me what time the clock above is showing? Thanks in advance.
6:19:32
